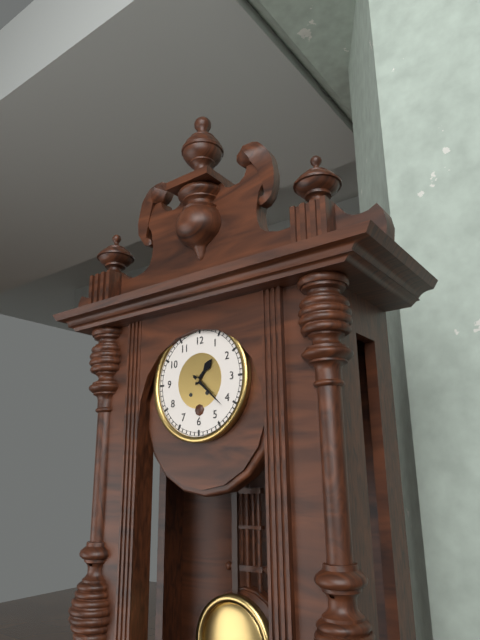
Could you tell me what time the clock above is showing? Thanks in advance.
1:22
